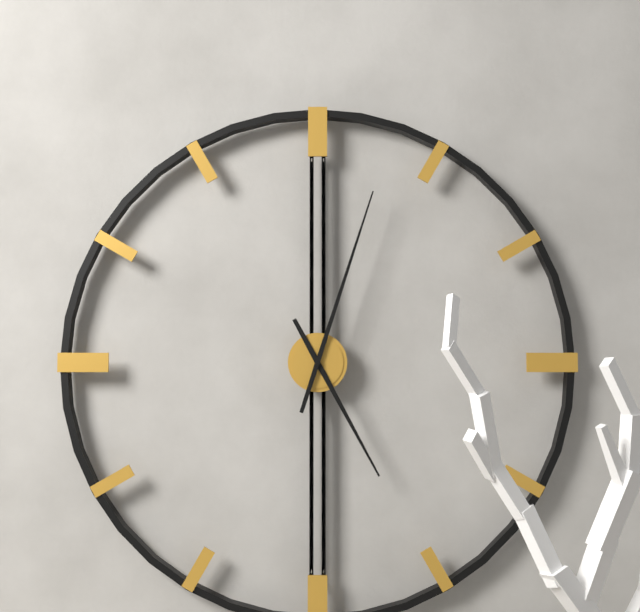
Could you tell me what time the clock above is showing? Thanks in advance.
5:03
